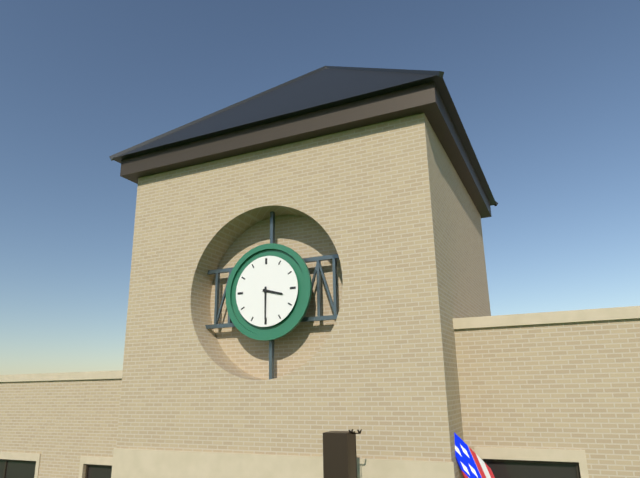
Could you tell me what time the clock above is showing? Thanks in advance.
3:30
